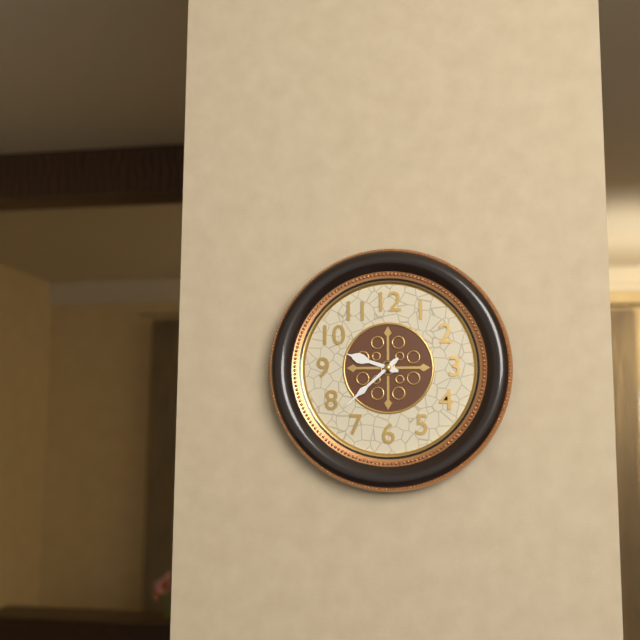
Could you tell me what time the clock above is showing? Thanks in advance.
9:38
